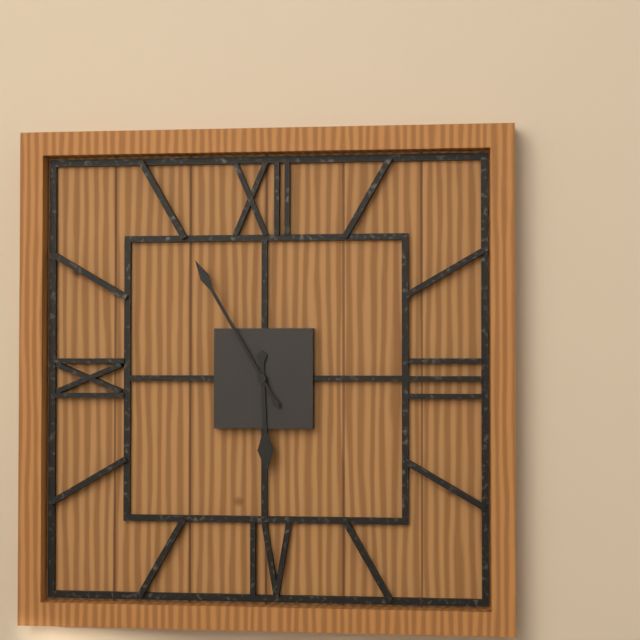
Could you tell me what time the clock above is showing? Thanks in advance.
5:55
